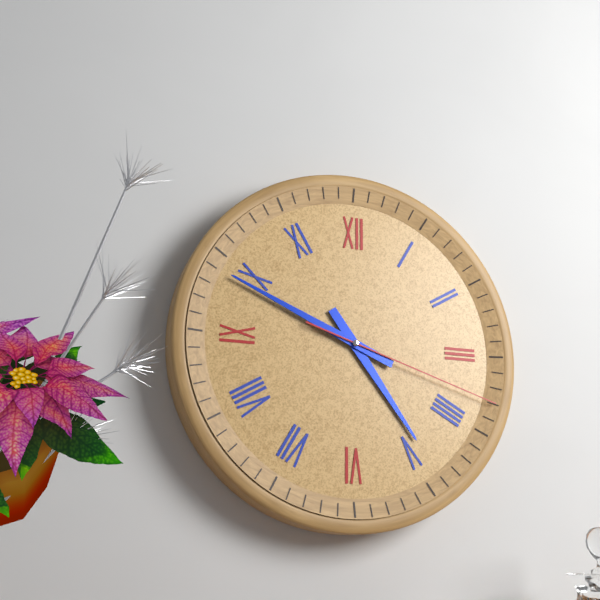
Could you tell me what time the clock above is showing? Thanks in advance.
4:49:18
